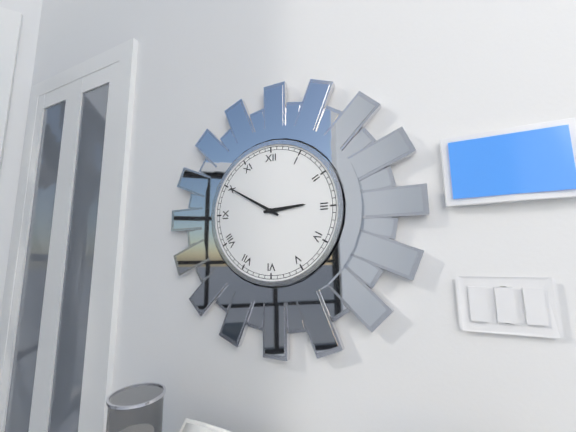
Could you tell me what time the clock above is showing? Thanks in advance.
2:50
